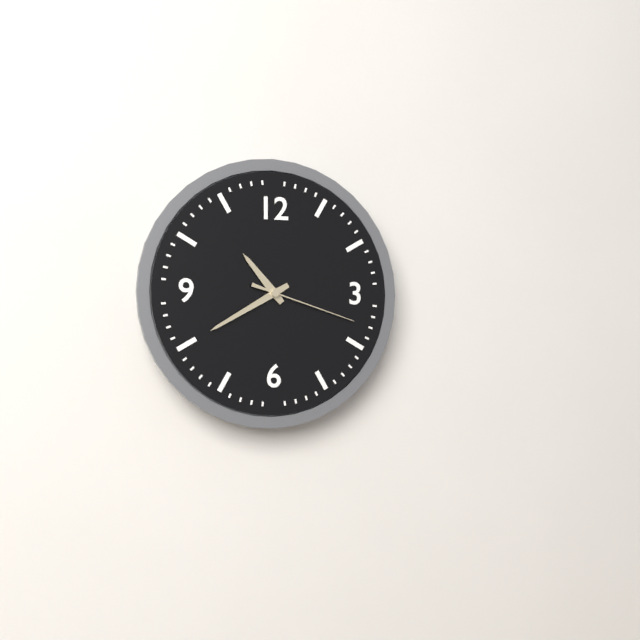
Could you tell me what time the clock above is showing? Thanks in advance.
10:40:18
